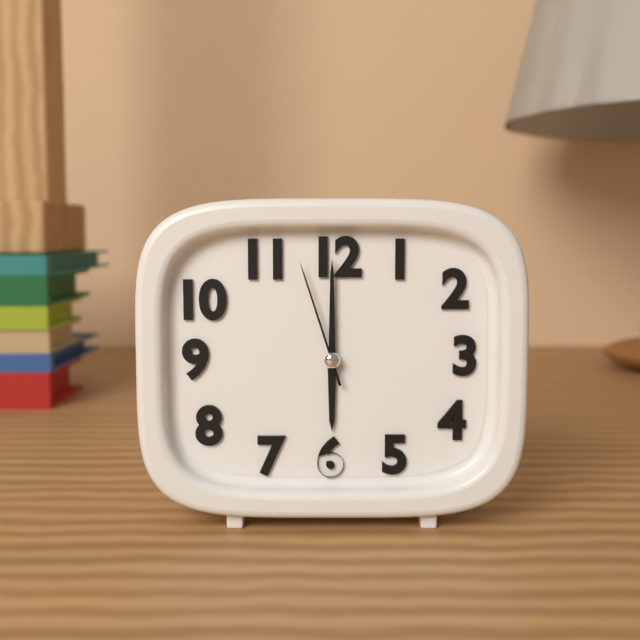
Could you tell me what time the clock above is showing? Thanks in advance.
6:00:57
